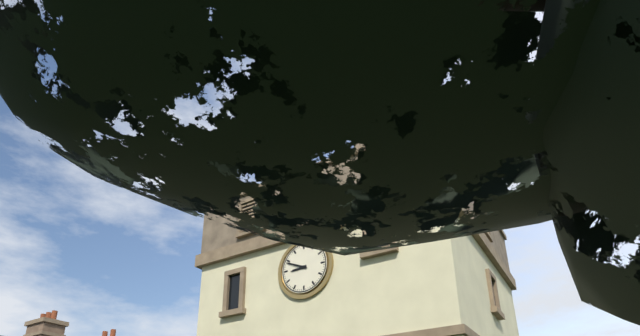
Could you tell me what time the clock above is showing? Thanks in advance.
8:49
